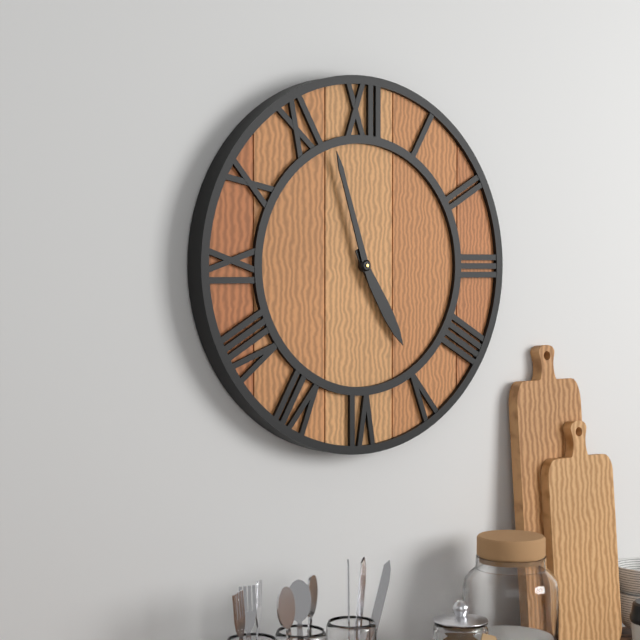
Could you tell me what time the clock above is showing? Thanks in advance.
4:57
